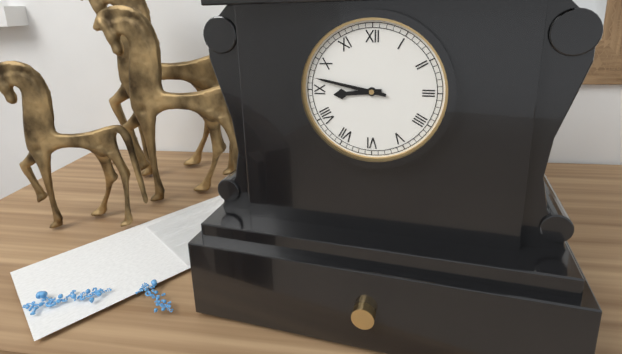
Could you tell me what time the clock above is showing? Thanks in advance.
8:47
